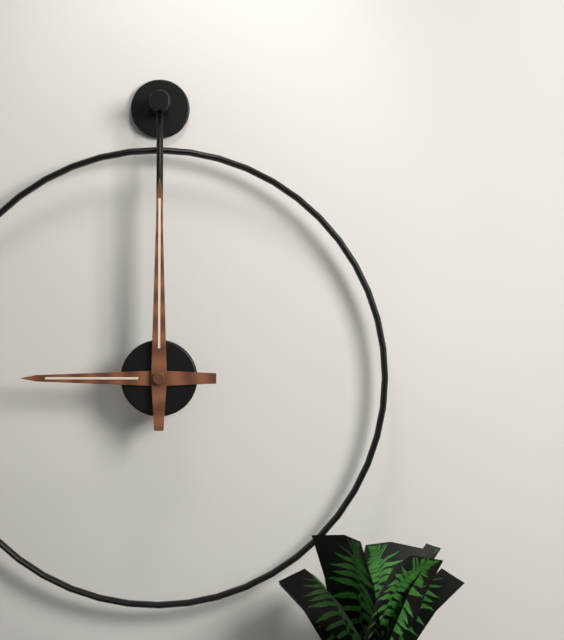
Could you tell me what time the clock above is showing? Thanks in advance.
9:00
